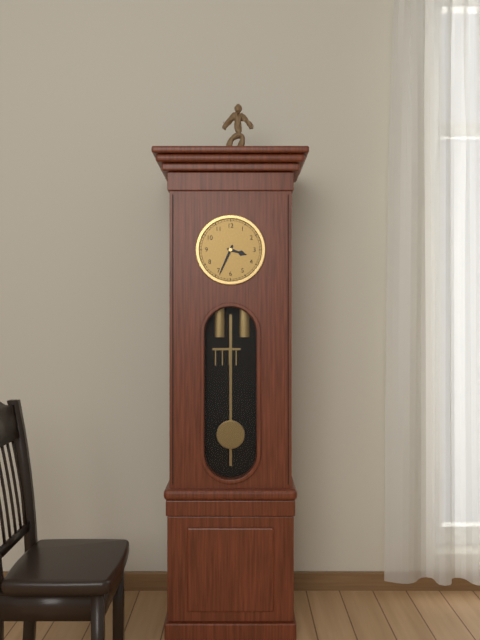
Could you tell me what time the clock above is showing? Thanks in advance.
3:34
